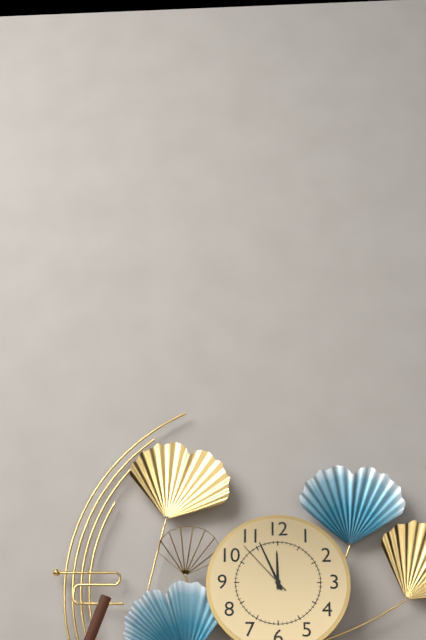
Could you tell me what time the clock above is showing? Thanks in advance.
11:56:53
